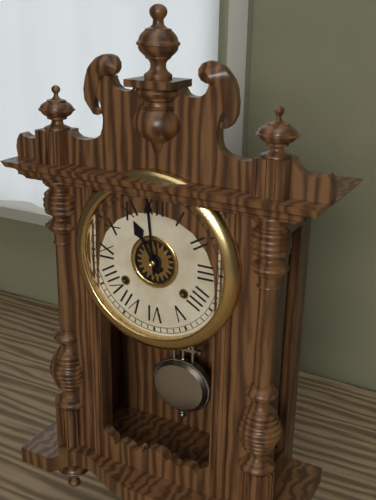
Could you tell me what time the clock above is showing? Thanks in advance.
10:59
